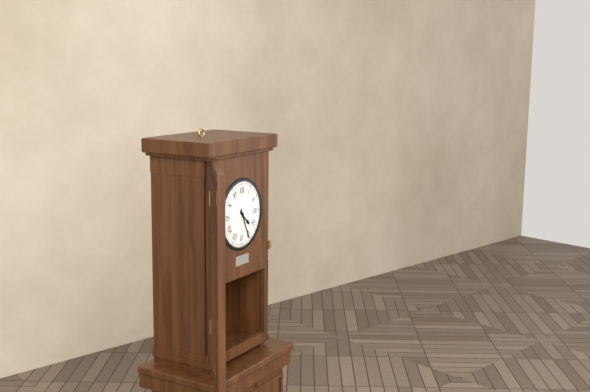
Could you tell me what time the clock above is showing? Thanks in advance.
4:26
